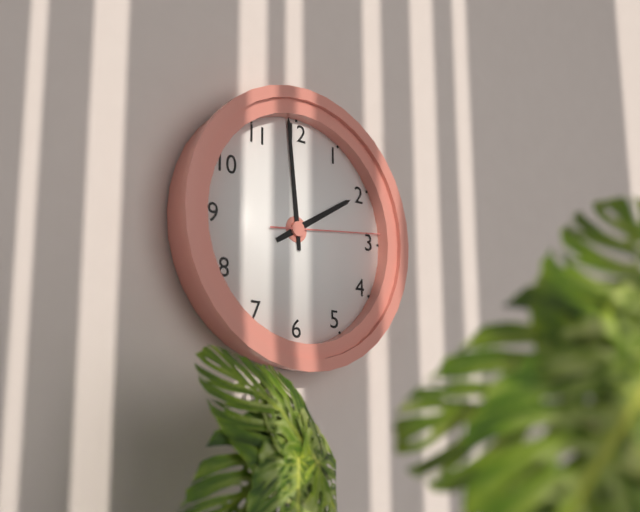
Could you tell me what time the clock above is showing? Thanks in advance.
1:59:14
